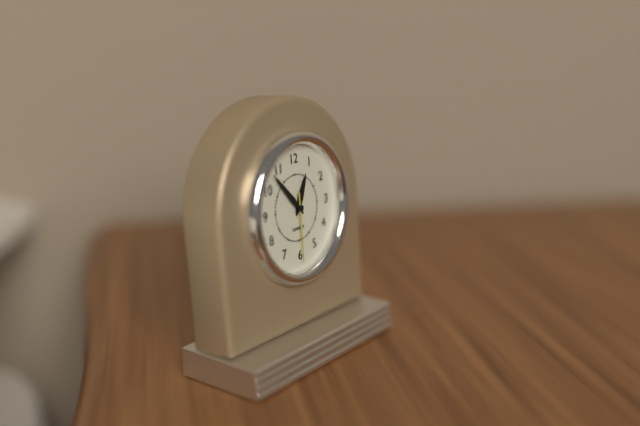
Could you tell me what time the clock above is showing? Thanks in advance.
12:53:30
